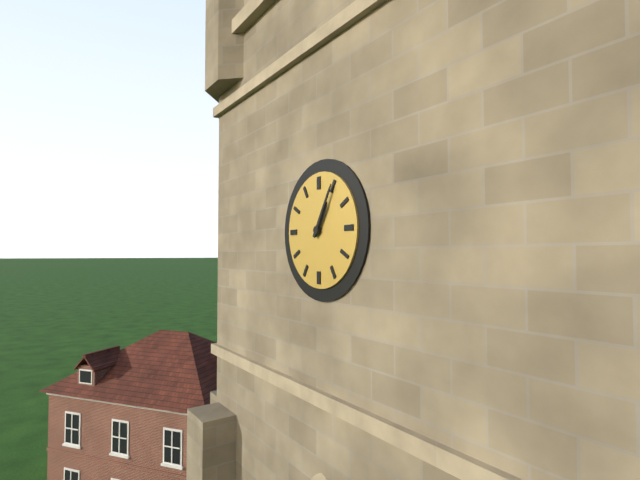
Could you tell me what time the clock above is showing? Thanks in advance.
1:05
